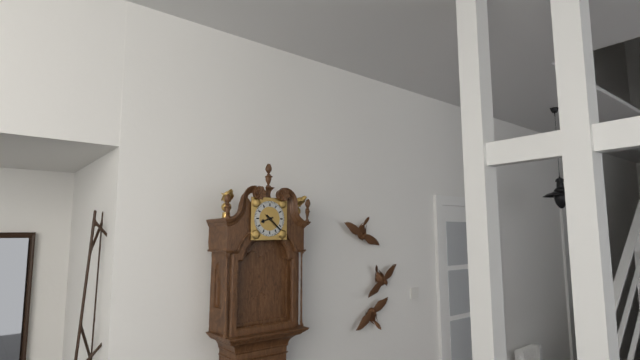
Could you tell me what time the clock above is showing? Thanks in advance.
8:22
